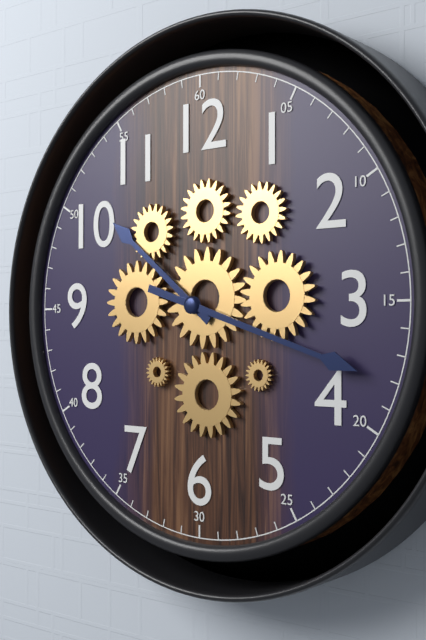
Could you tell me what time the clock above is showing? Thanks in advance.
10:18
